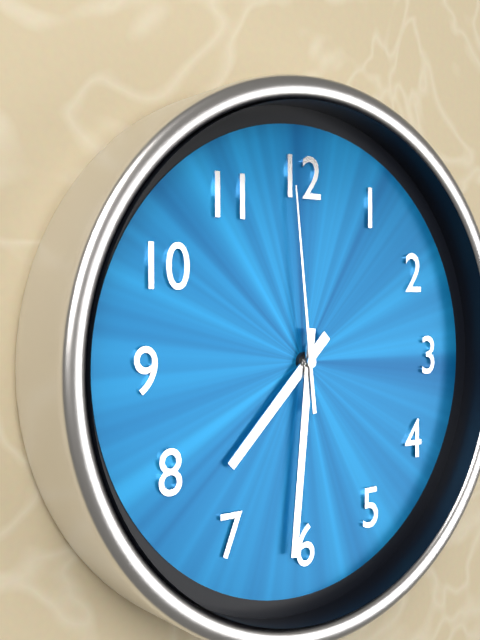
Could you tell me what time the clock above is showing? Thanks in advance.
7:31:59
